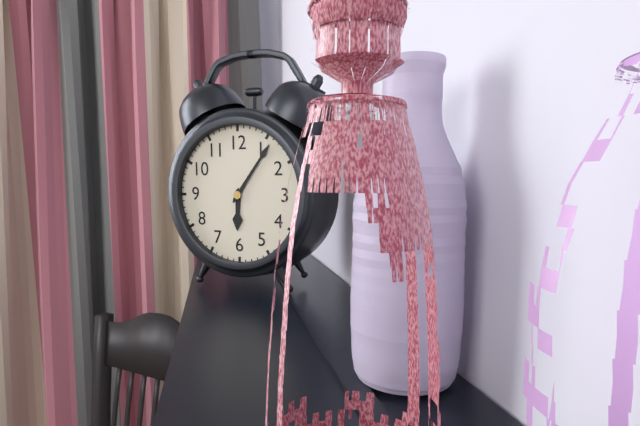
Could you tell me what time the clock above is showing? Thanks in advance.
6:06
